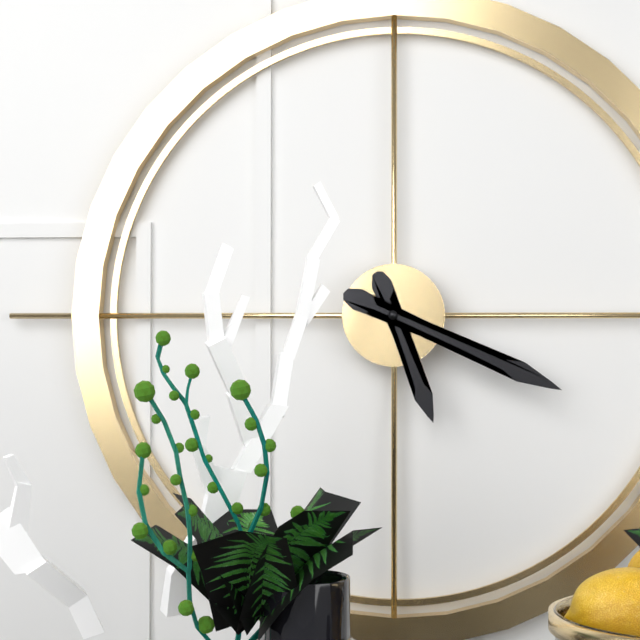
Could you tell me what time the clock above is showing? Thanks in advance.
5:19
